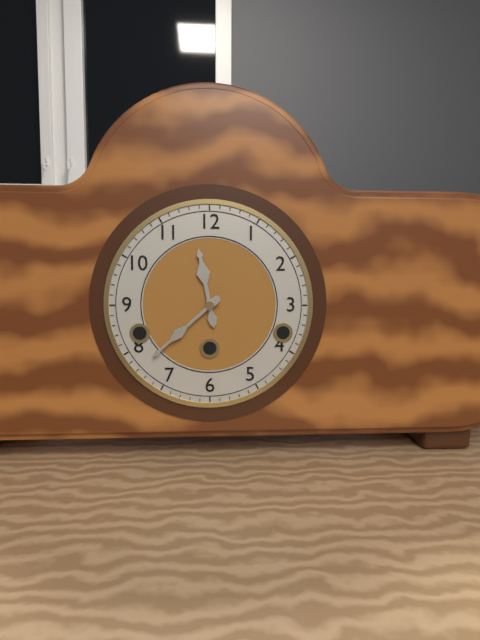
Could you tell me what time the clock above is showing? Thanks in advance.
11:38
